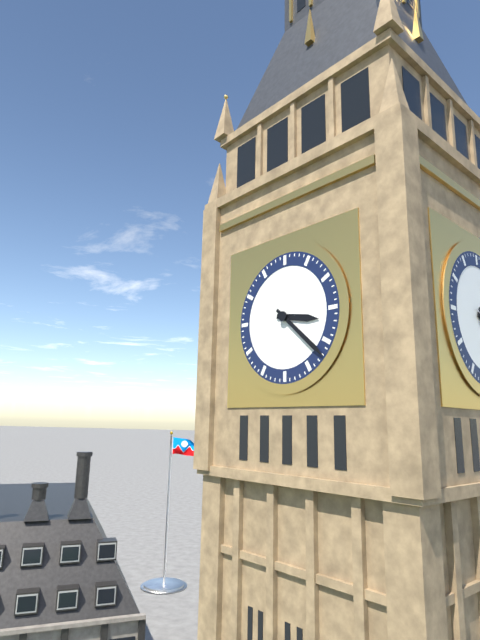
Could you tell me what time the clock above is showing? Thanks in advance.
3:22
